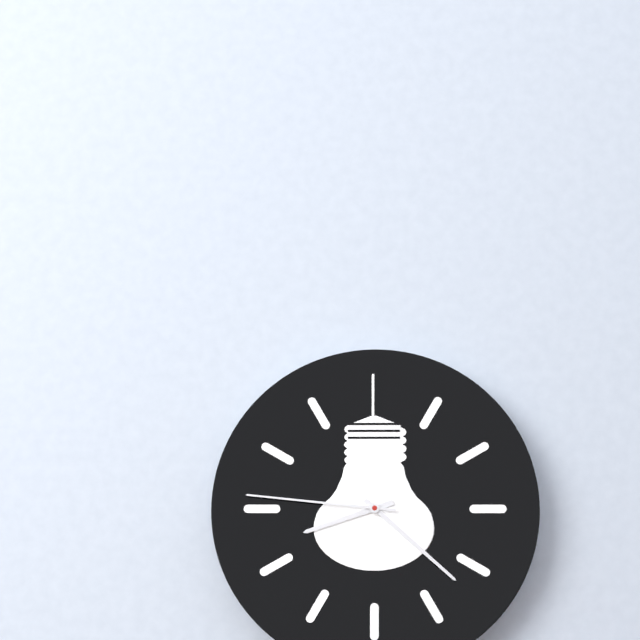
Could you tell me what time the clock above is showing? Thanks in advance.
8:22:46
